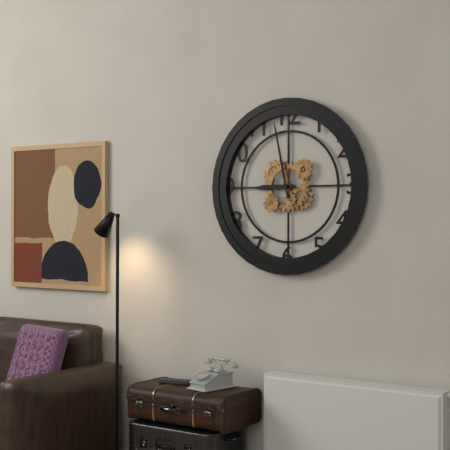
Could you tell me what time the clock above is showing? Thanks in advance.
8:58
